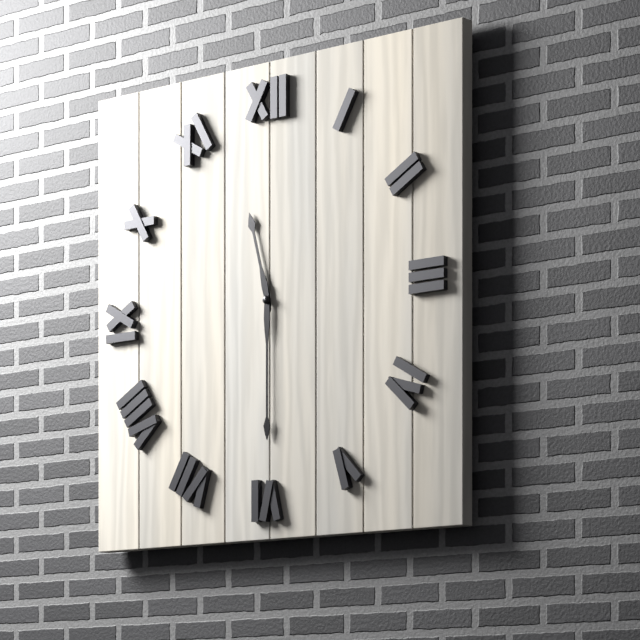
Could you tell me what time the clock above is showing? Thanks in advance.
11:30
